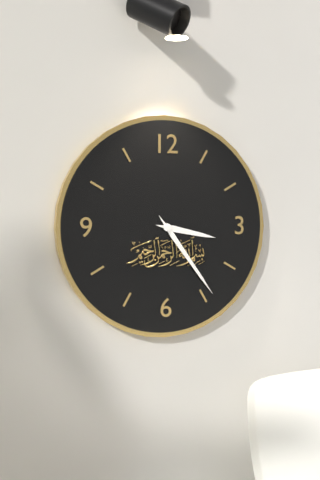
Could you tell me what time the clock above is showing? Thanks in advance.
3:24
